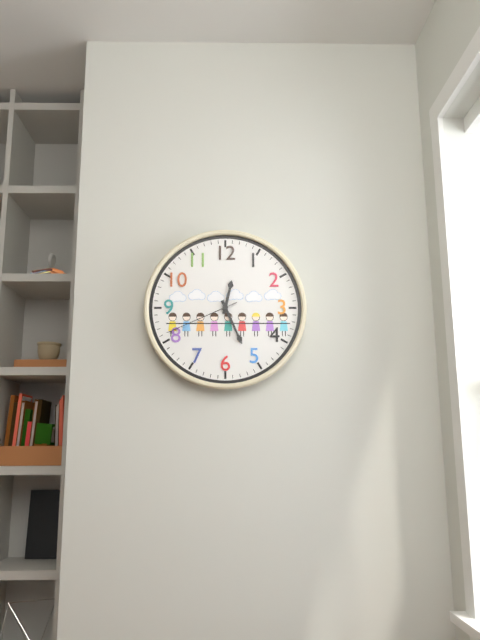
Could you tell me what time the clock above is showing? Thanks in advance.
12:26:41
